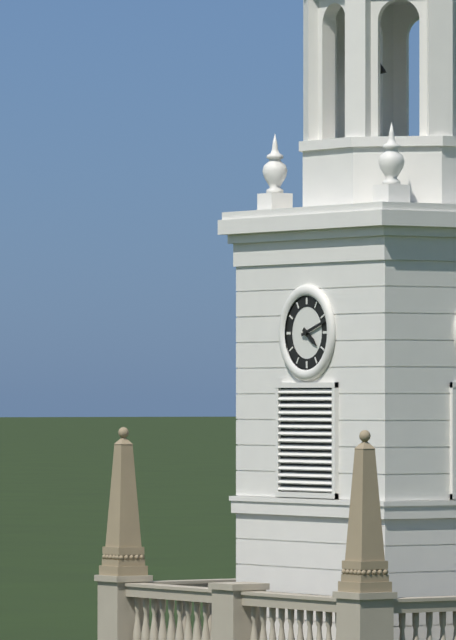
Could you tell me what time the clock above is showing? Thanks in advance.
4:12
